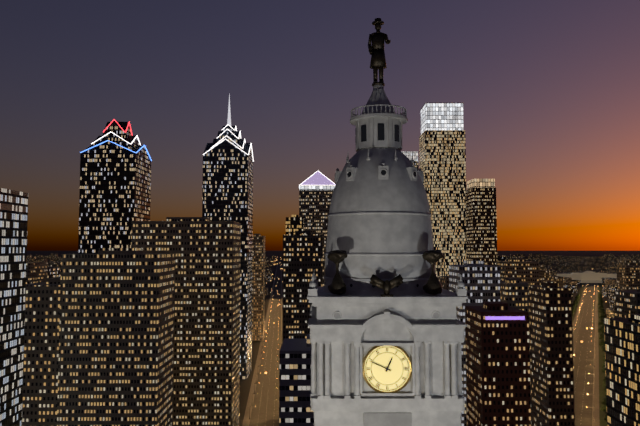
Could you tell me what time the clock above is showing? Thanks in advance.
12:49
